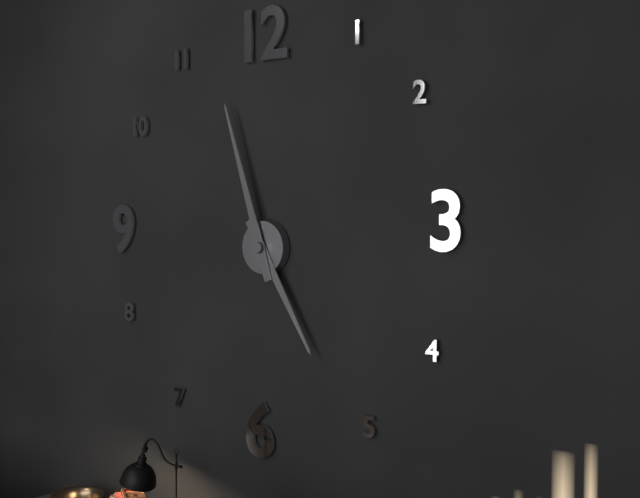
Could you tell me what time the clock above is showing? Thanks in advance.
4:57
